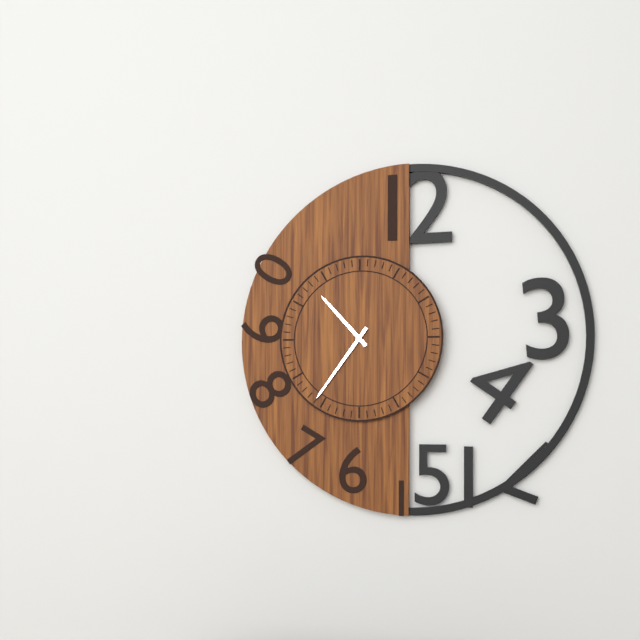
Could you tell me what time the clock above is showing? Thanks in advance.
10:36
